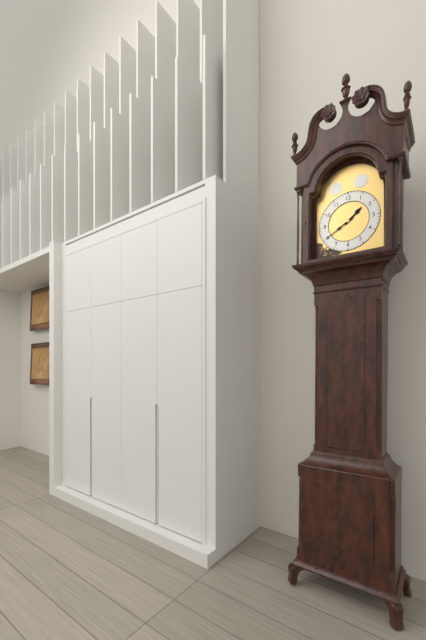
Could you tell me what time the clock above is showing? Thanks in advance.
1:40
